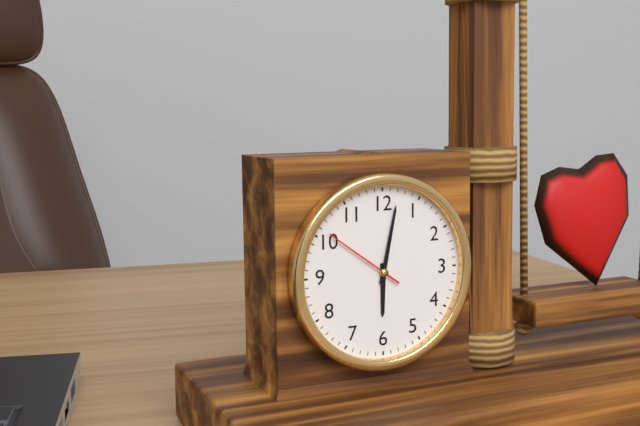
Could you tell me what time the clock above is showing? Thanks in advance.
6:02:51
